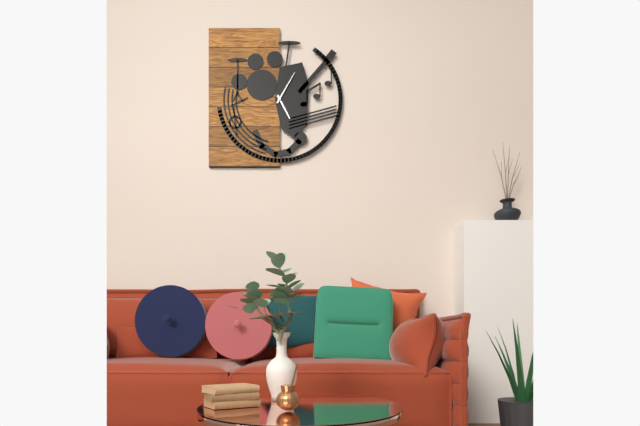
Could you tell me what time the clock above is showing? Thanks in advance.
5:05
